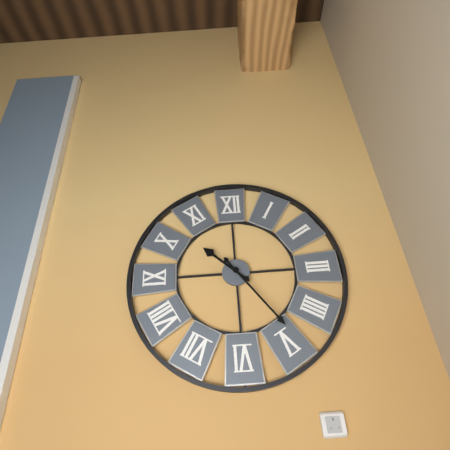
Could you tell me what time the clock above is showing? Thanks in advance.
10:24
